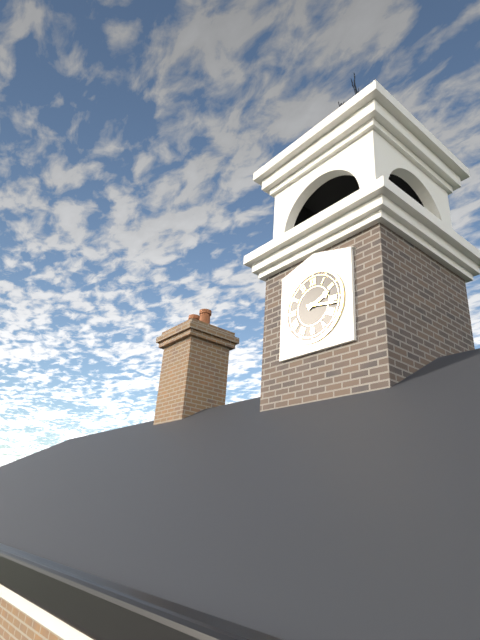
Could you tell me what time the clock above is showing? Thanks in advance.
2:17
